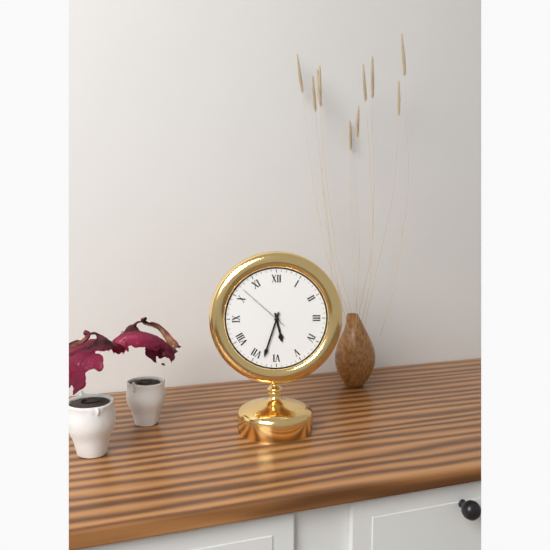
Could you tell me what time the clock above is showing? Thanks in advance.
5:33:52
